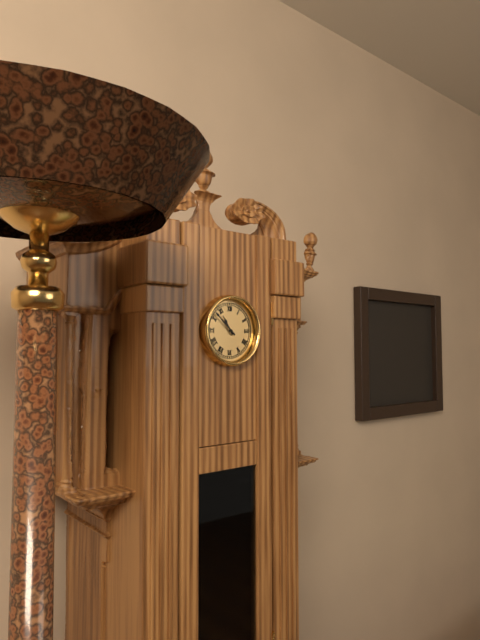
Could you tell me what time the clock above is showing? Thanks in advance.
10:52
